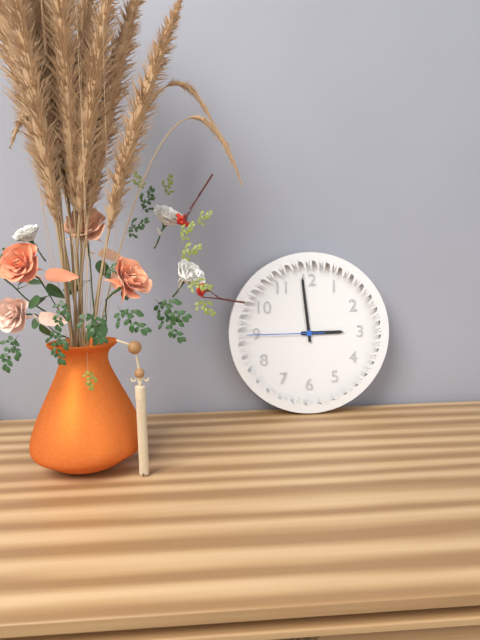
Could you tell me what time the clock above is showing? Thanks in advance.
2:59:45
